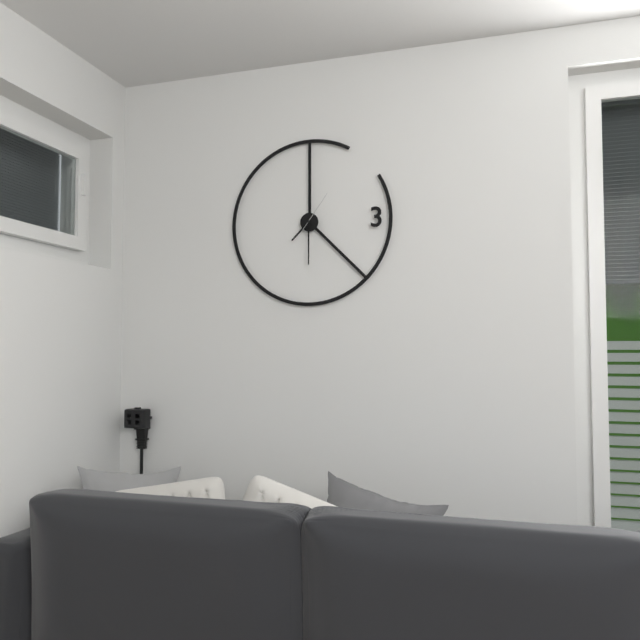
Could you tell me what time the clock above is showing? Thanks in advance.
7:30
